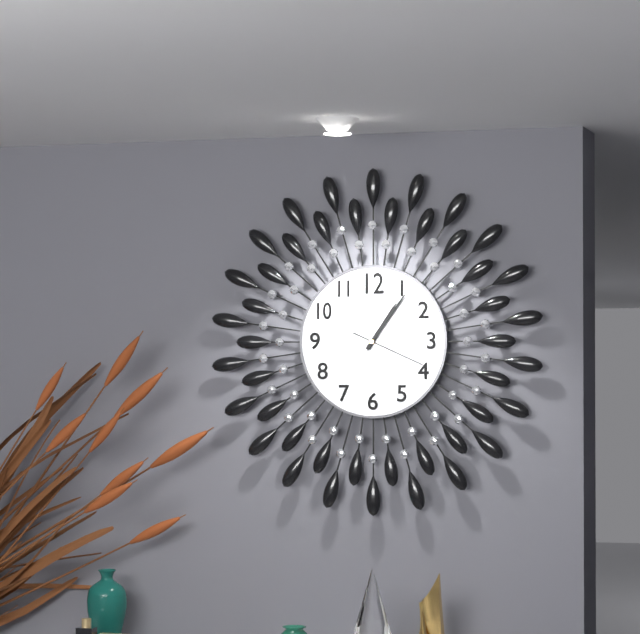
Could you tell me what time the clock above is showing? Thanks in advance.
1:06:19
